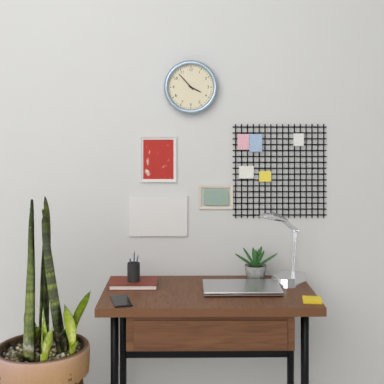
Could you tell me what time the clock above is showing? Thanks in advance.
3:53
